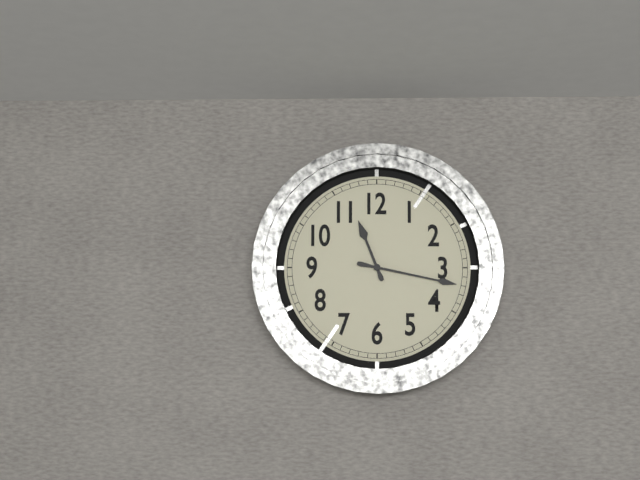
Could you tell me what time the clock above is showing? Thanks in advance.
11:17
